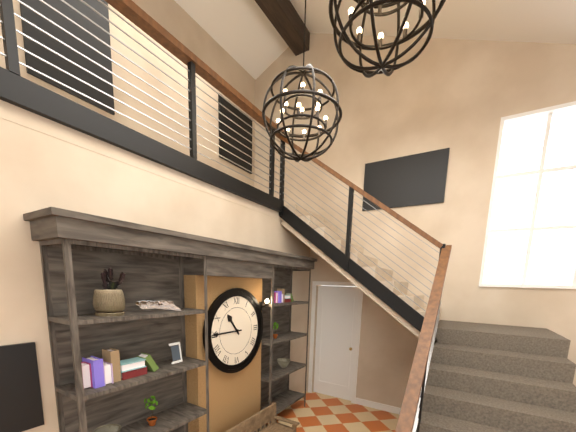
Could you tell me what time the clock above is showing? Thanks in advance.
10:45
